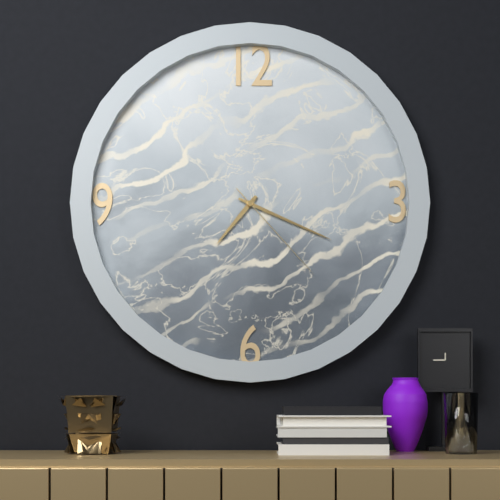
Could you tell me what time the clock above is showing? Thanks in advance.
7:19:23
